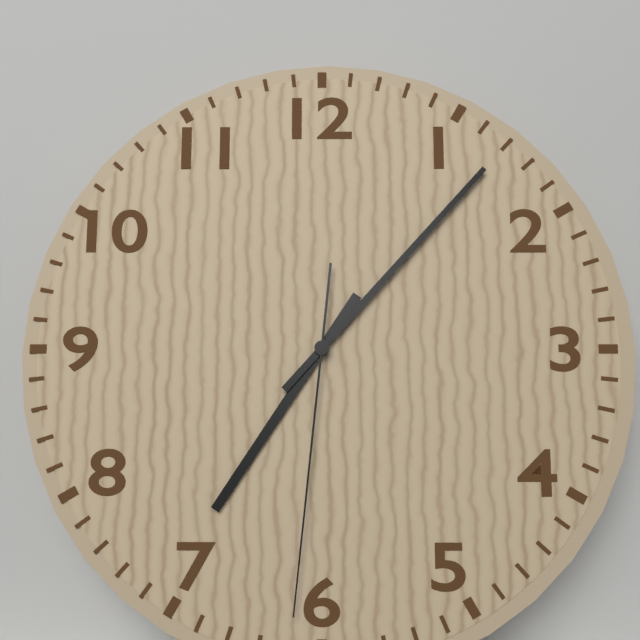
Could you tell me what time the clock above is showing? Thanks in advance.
7:07:31
